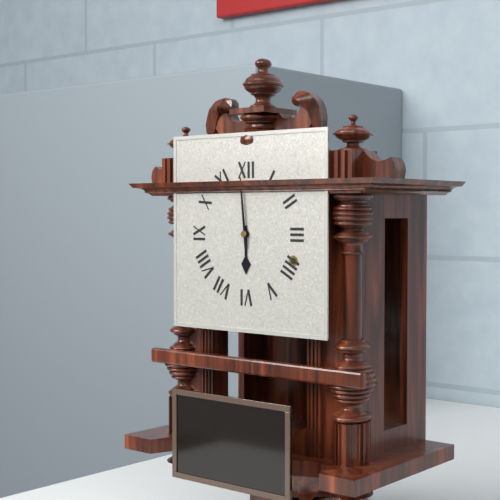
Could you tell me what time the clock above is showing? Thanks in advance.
5:59
